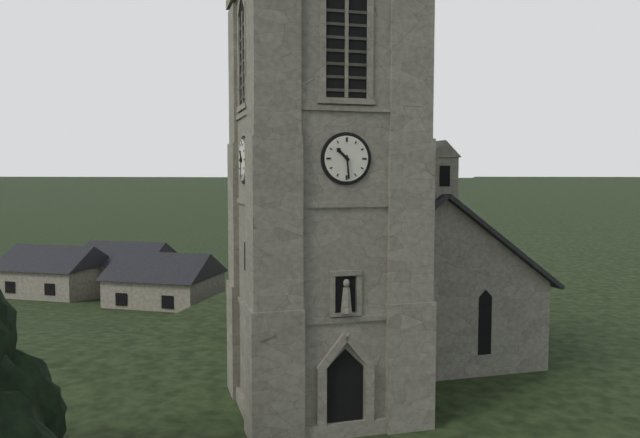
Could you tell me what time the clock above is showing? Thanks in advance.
10:29
